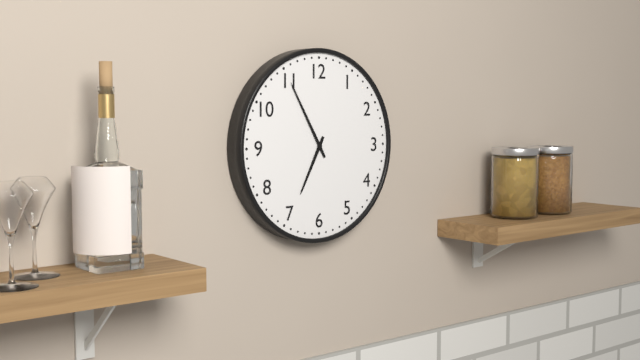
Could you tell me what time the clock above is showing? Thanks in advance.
6:55
